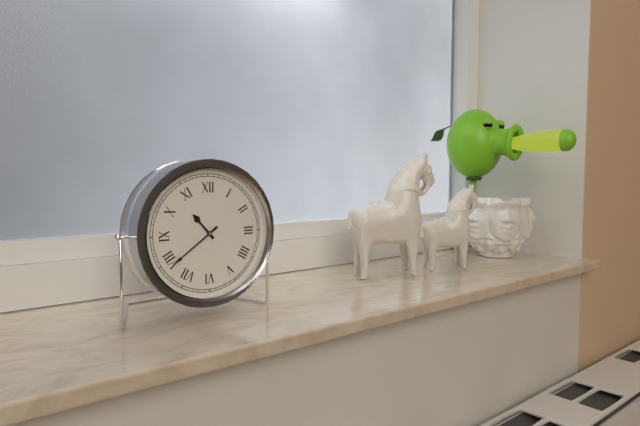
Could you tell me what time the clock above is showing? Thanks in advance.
10:39
